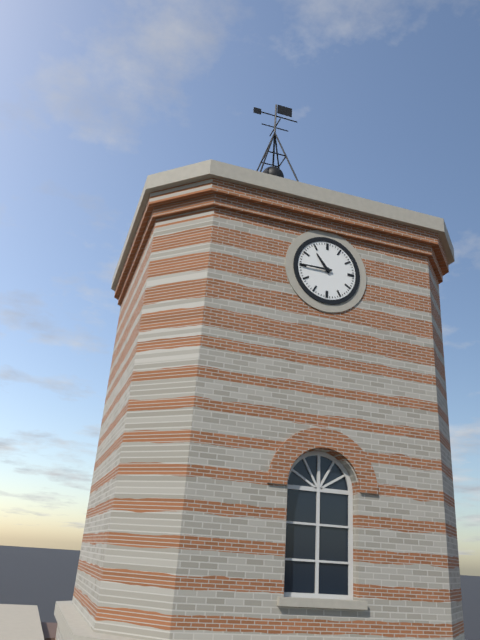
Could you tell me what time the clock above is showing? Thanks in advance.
10:45
